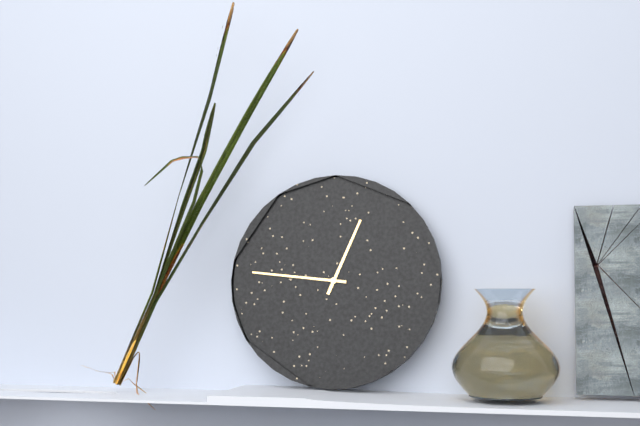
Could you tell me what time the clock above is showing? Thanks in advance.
12:46
